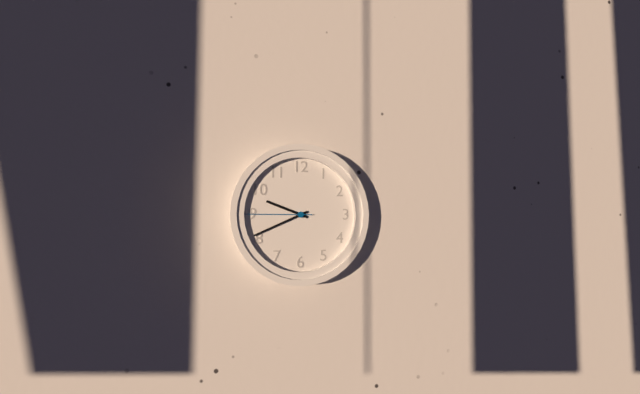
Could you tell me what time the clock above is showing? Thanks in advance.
9:41:45
